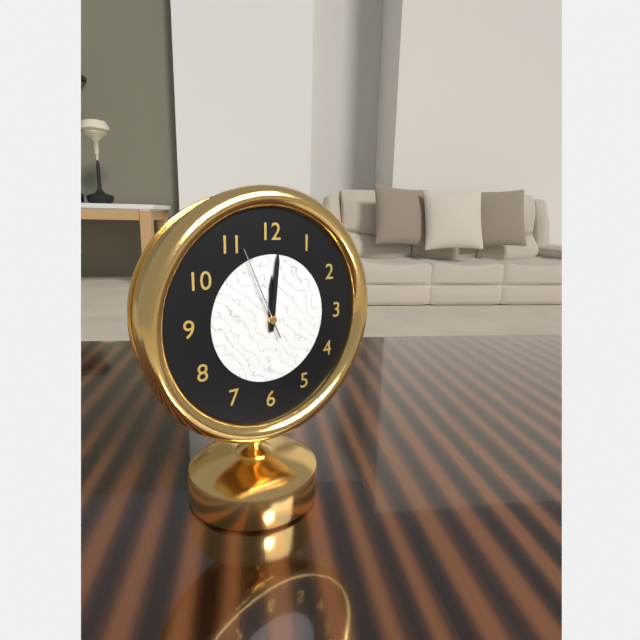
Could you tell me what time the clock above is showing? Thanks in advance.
12:01:56
